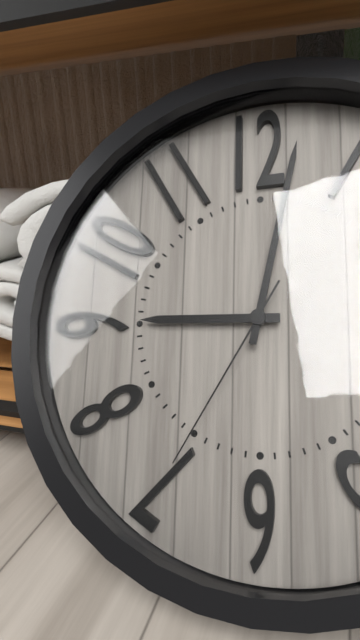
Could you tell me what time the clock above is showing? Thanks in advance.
9:02:35
